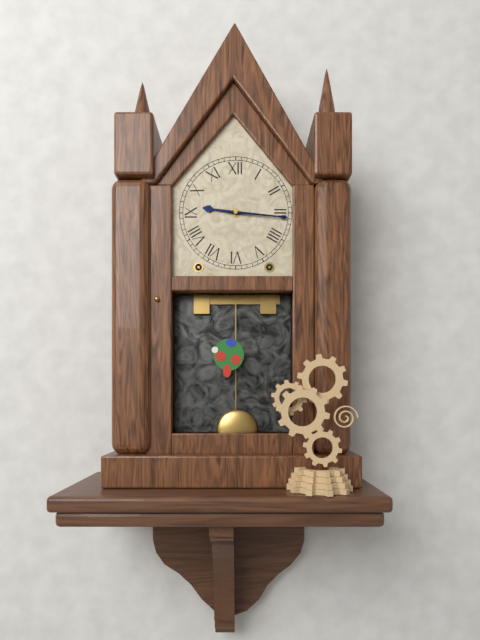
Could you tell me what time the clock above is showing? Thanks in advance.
9:16
